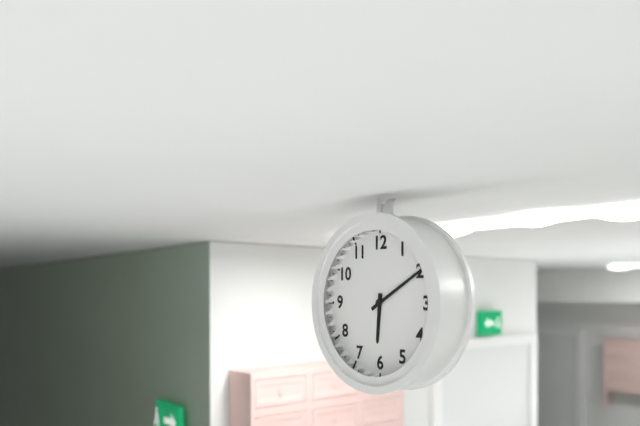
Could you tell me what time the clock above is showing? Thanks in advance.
6:10
